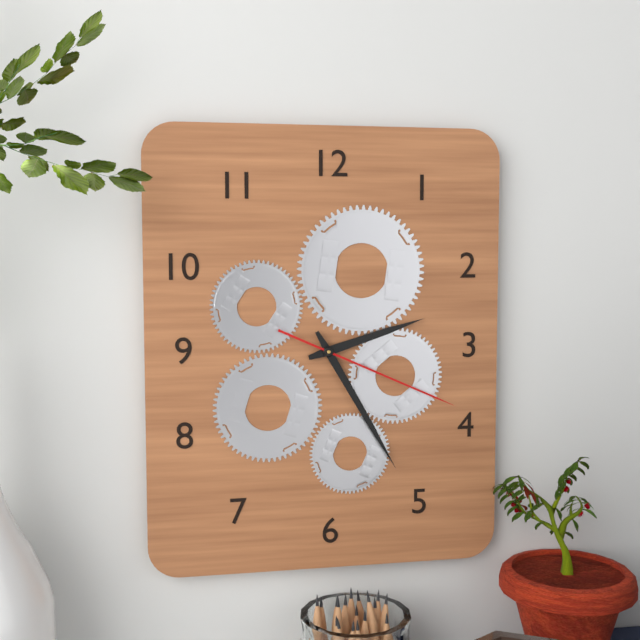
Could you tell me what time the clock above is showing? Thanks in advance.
2:25:19
